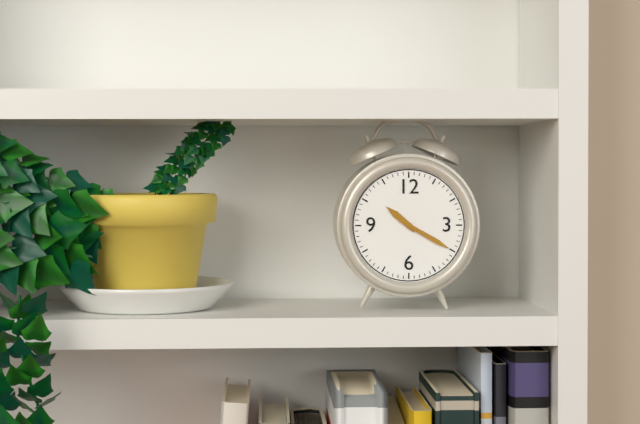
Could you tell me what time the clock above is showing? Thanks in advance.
10:20
